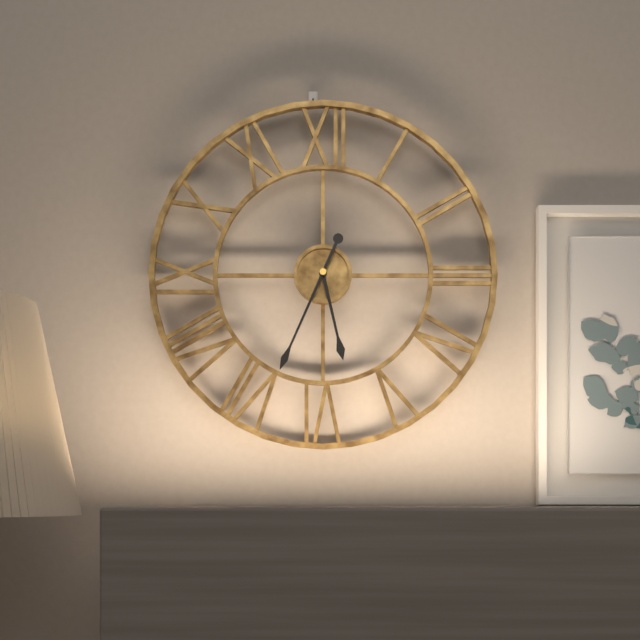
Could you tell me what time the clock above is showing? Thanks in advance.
5:34
